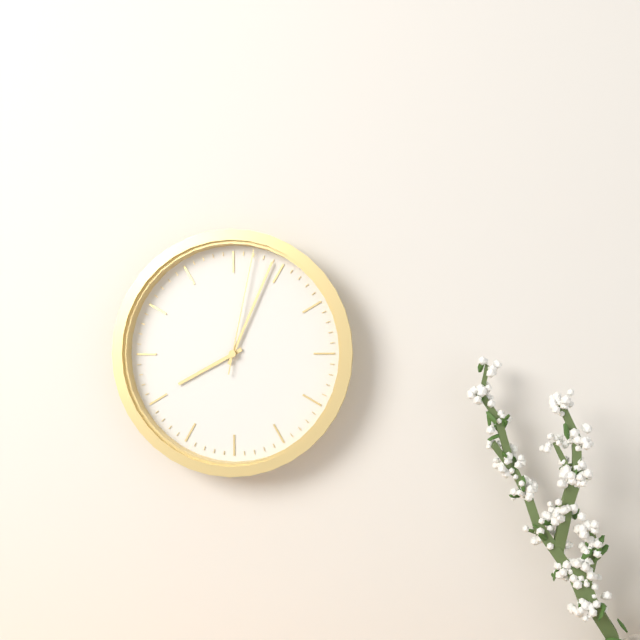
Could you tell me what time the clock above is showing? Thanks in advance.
8:04:02
